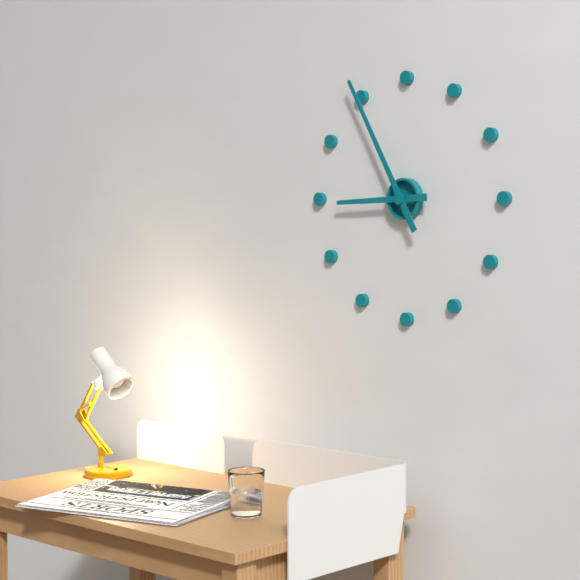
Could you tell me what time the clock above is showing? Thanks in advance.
8:55
